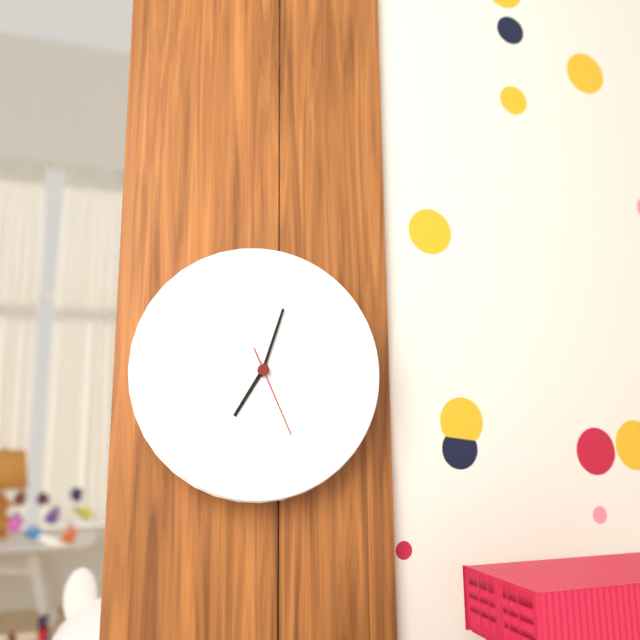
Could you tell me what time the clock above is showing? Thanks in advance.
7:03:26
